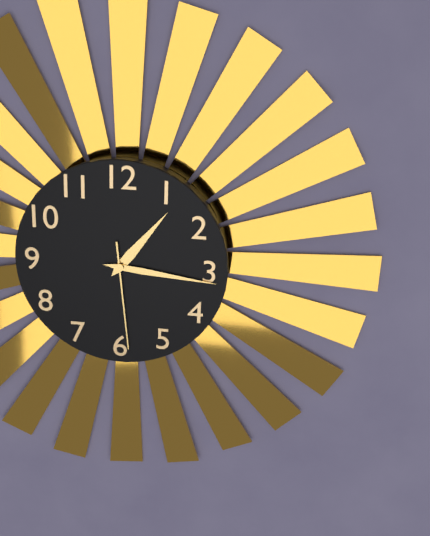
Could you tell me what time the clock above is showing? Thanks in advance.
1:16:29
